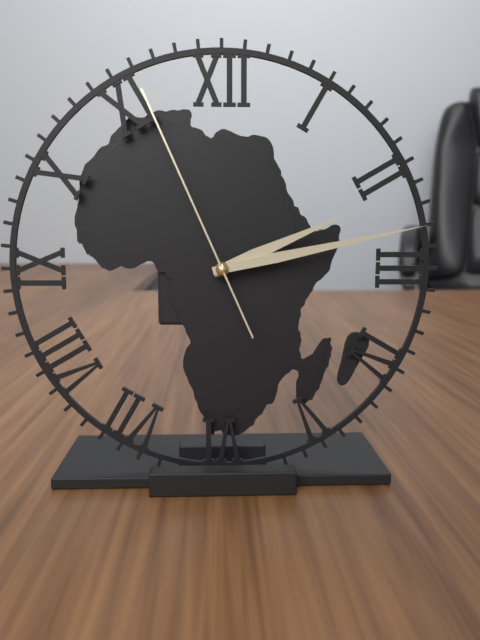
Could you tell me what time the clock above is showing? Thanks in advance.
2:13:56
